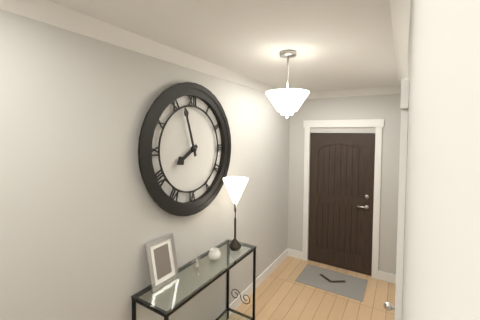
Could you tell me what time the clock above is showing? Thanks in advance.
7:57
